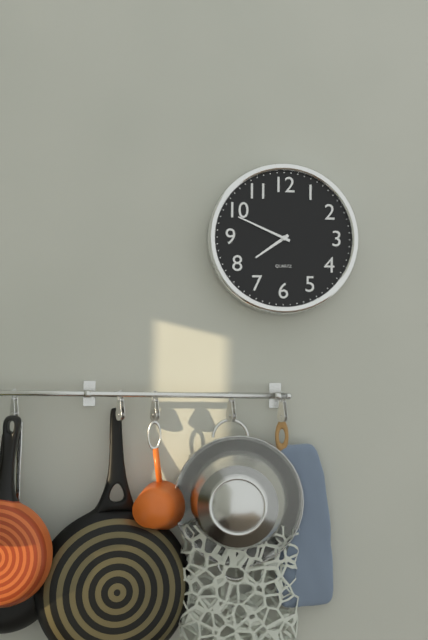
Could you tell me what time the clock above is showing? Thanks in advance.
7:49
